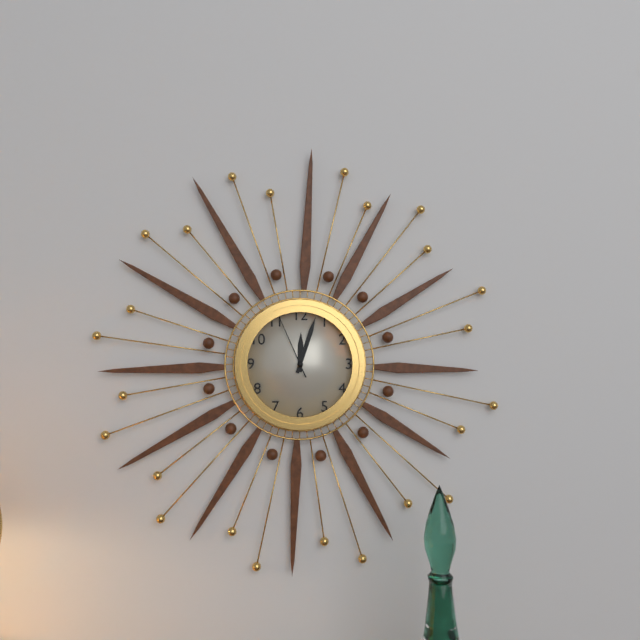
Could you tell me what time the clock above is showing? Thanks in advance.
12:03:56
